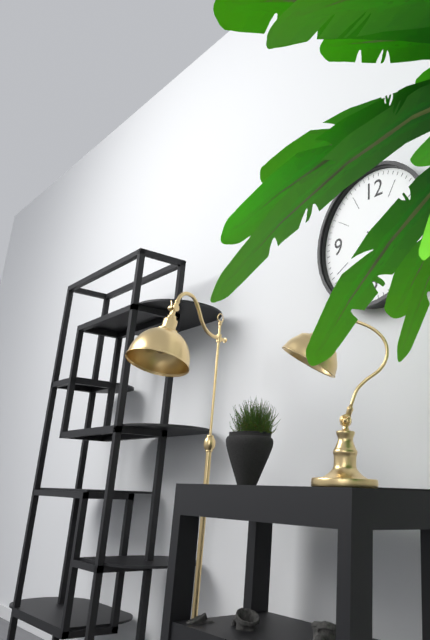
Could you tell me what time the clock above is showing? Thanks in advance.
3:21
